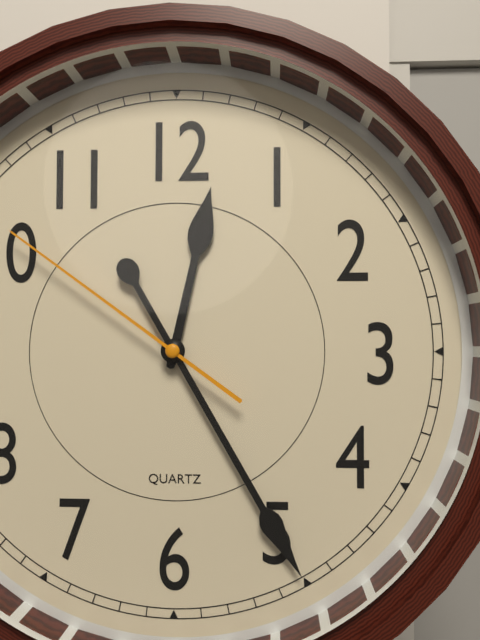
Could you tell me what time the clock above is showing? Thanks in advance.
12:25:51
